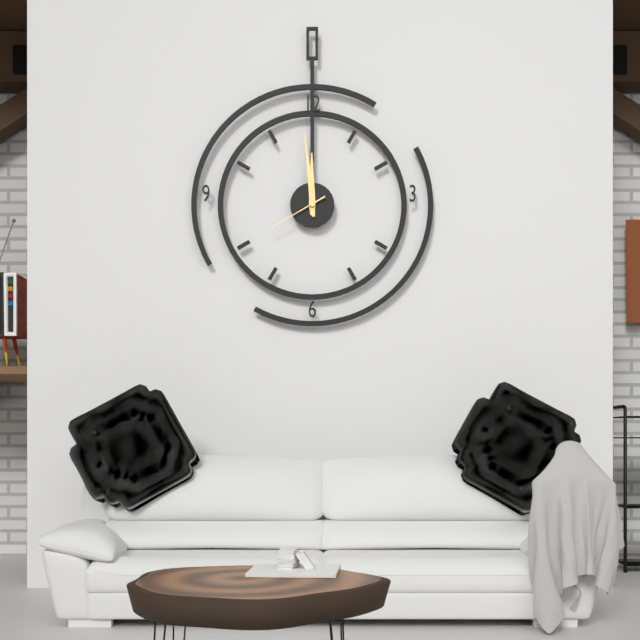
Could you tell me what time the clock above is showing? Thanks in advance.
11:59:40
